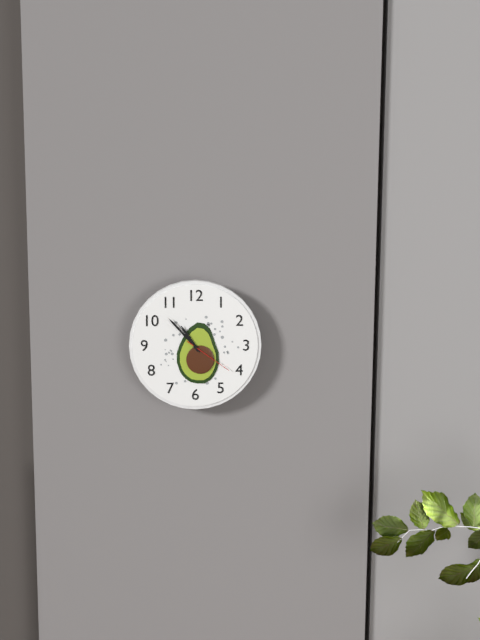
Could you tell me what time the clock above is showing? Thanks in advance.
10:53:21
